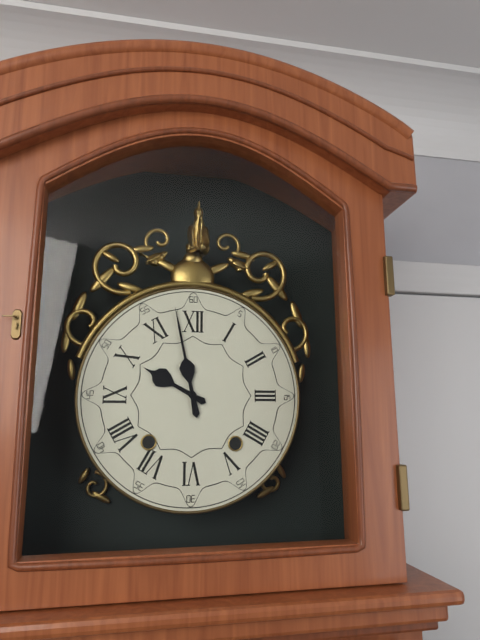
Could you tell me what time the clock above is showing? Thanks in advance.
9:58
